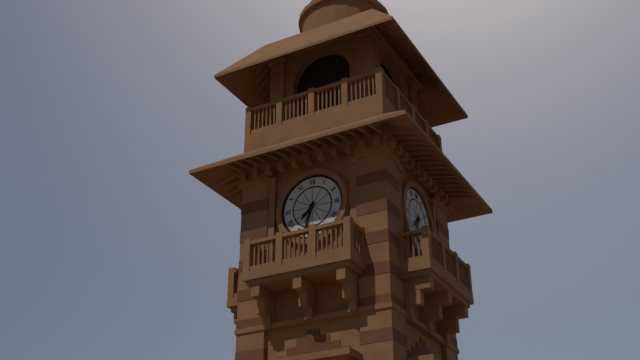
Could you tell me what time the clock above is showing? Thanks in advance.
7:33
